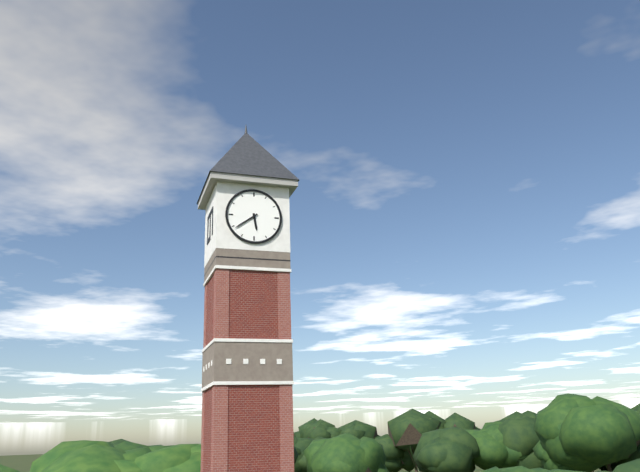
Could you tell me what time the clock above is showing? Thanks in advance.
5:39
